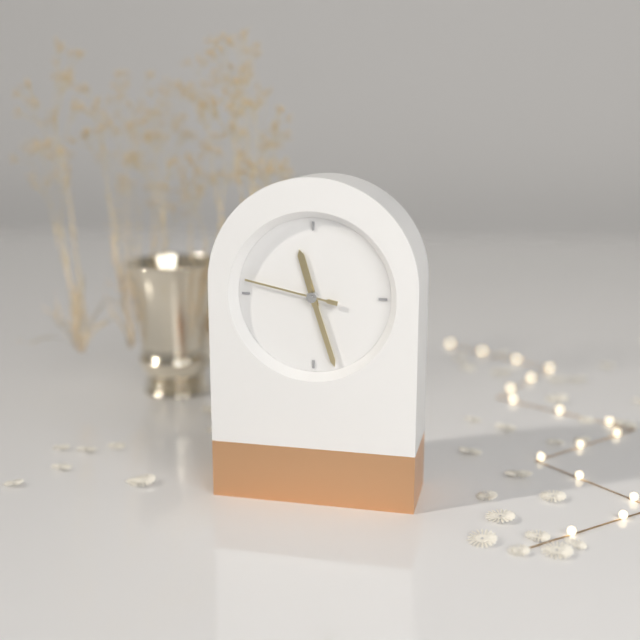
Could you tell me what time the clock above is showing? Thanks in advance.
11:27:47
